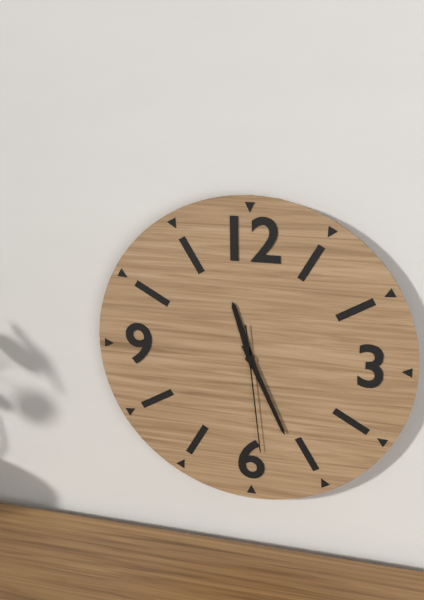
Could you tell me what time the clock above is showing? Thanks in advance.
11:26:29
